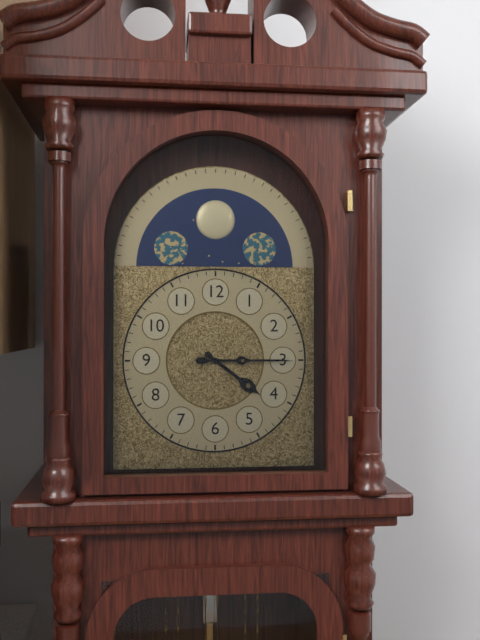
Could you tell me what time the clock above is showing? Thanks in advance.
4:15
